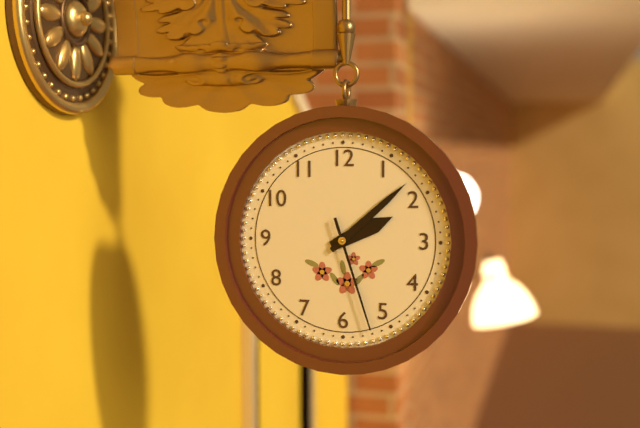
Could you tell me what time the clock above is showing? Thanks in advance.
2:08:27
